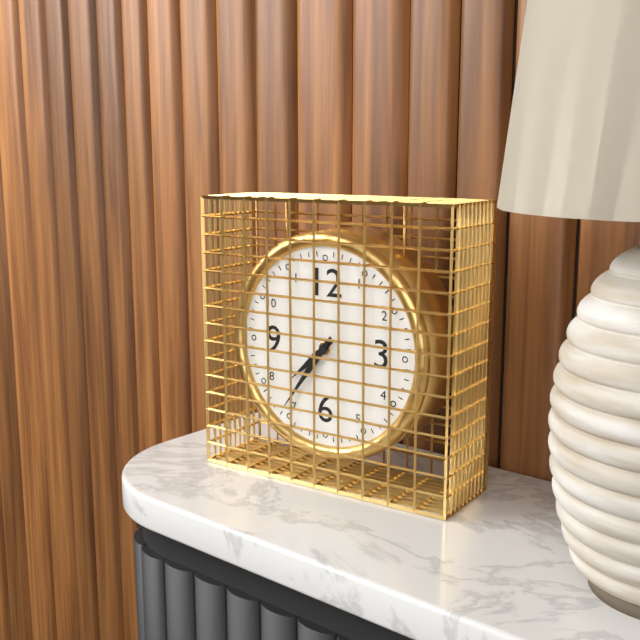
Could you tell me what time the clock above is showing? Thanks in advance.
7:36
